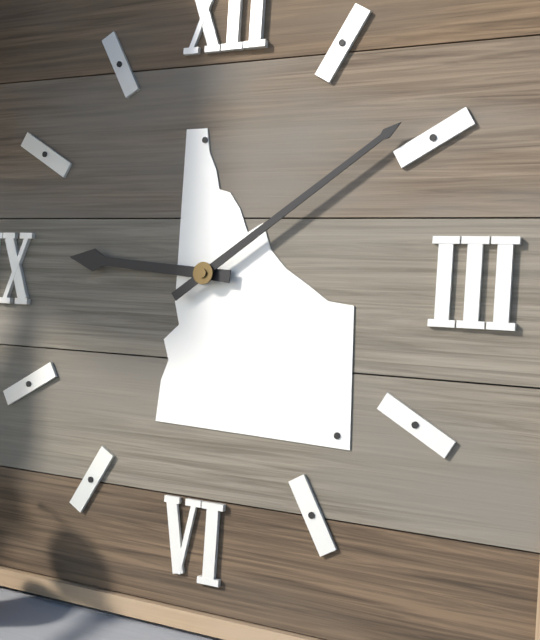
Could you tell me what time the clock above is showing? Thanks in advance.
9:09
